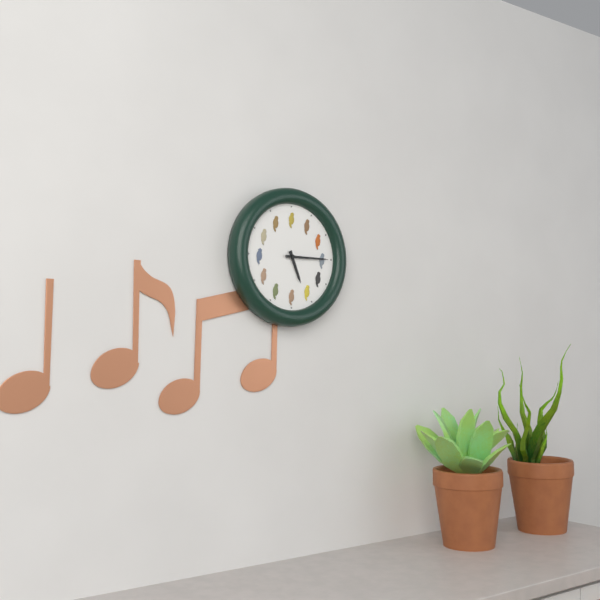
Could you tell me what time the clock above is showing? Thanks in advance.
5:15
